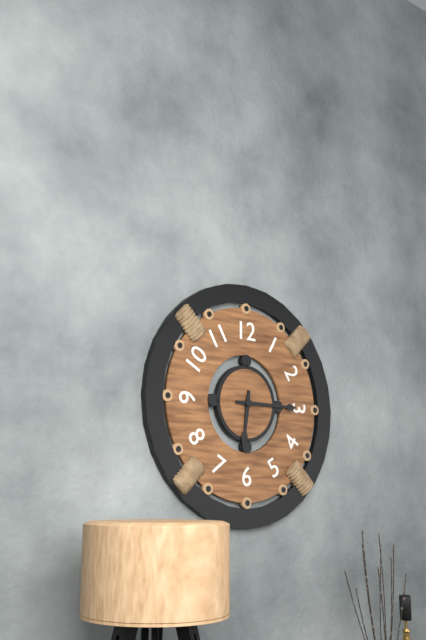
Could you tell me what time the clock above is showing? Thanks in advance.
6:15
